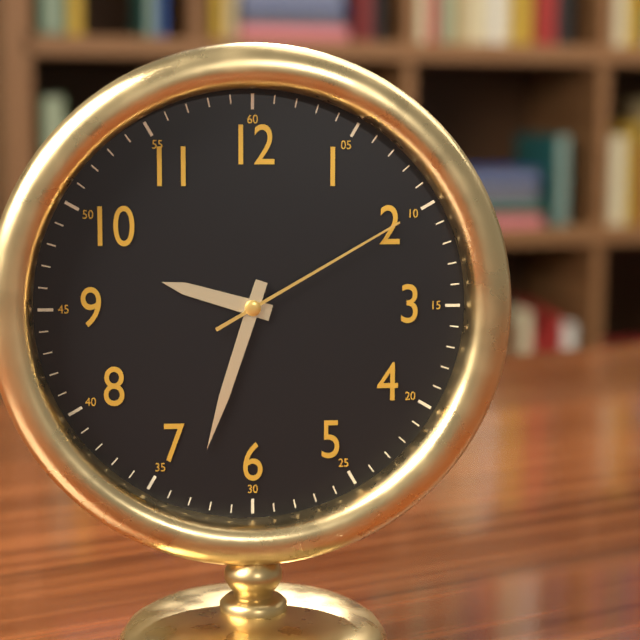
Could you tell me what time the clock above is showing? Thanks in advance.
9:33:10
